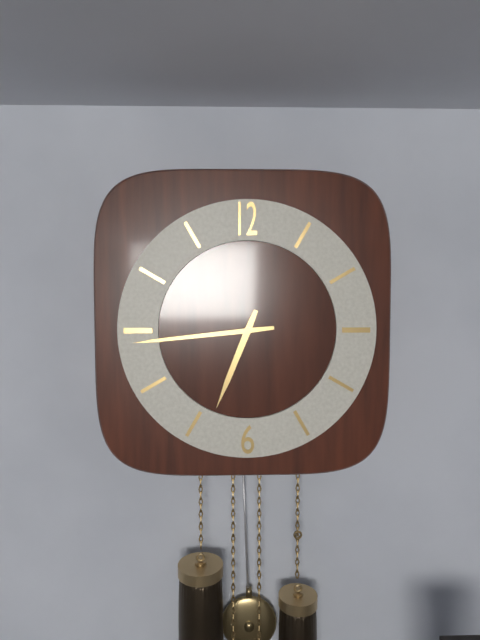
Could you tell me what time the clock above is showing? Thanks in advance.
6:44
